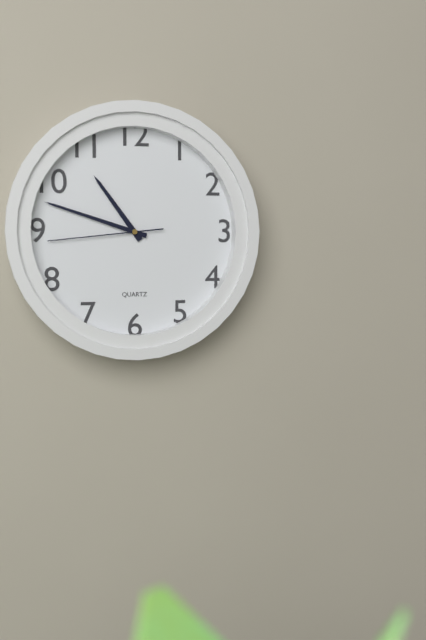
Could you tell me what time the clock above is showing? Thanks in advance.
10:48:44
